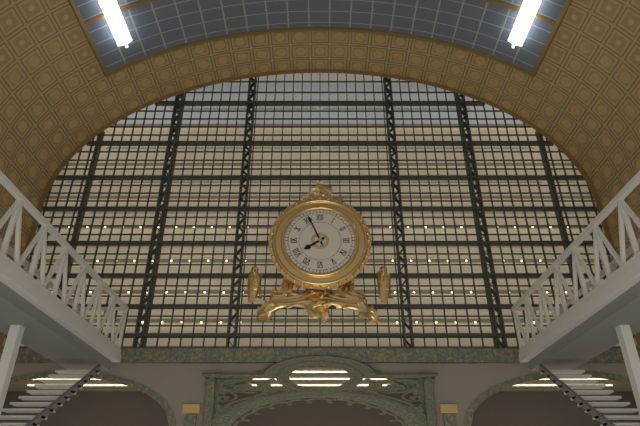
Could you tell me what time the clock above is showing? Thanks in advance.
7:56
